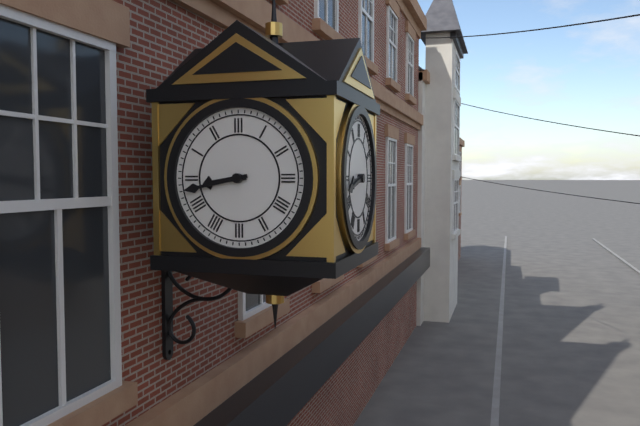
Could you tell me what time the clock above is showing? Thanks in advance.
8:43
